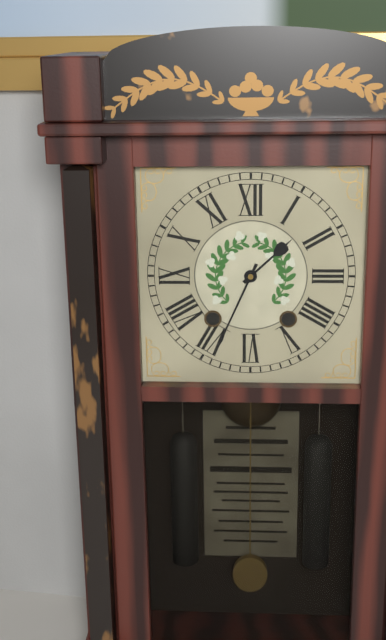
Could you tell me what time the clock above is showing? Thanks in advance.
1:34
